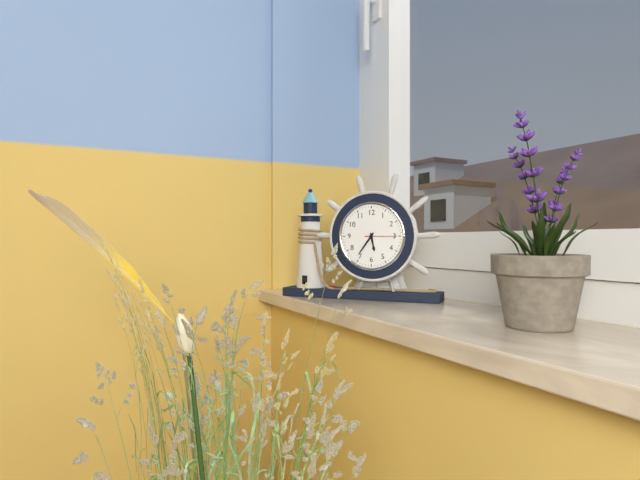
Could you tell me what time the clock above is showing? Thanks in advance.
5:36
